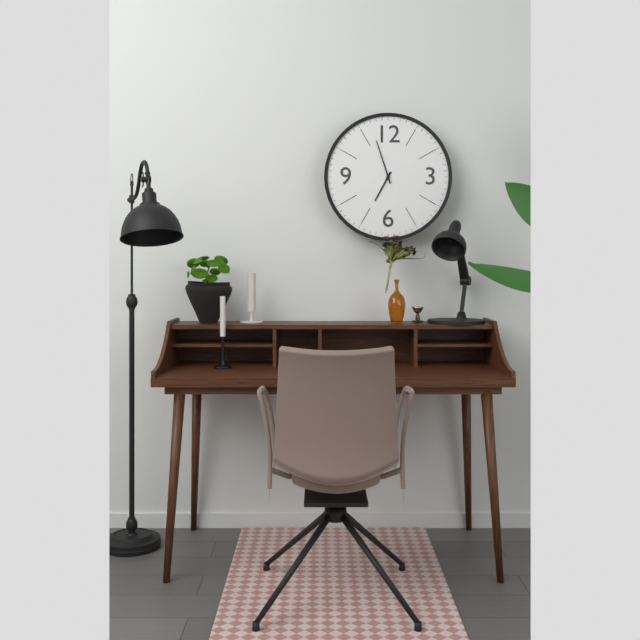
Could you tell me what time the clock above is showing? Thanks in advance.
6:57
